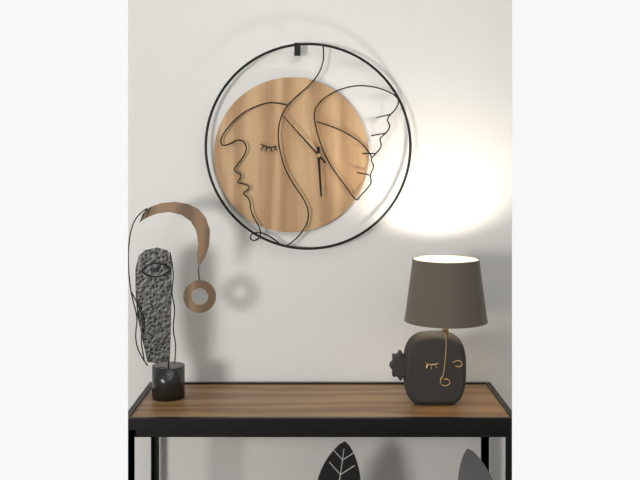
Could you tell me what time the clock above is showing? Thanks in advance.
5:53
